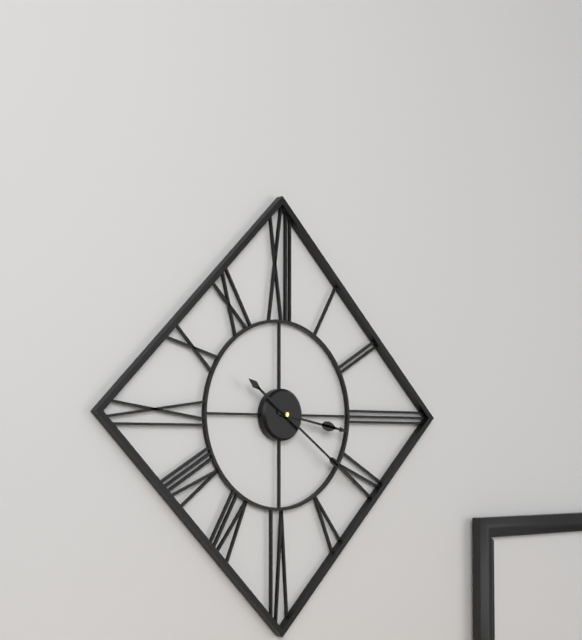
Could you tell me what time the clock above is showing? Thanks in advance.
3:21
